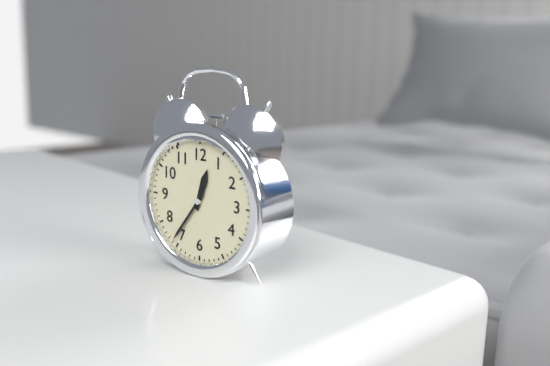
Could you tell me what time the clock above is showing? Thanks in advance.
12:36
